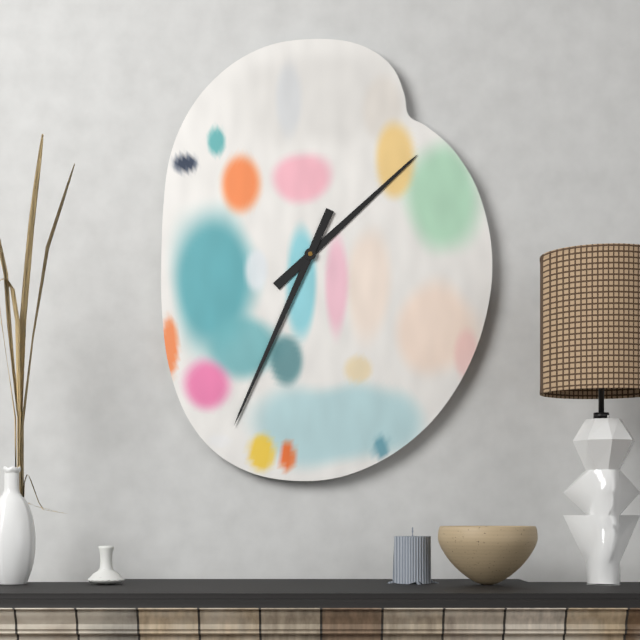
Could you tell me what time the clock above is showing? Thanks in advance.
1:34
